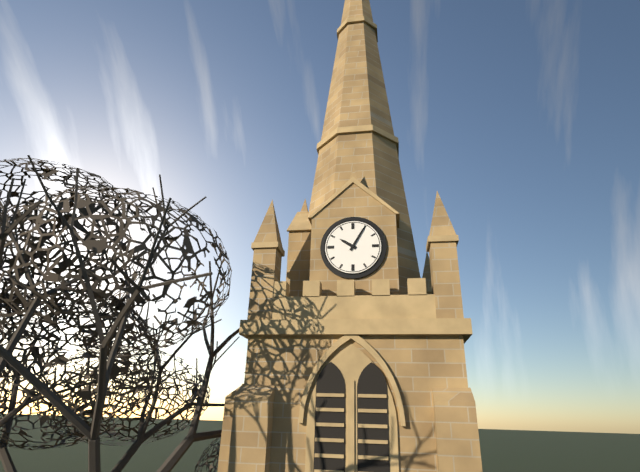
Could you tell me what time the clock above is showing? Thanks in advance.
10:05
